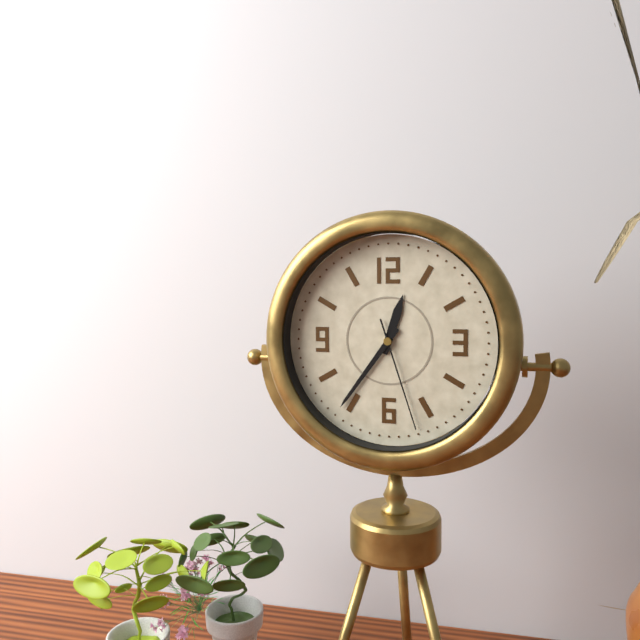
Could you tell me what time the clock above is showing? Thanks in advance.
12:36:27
